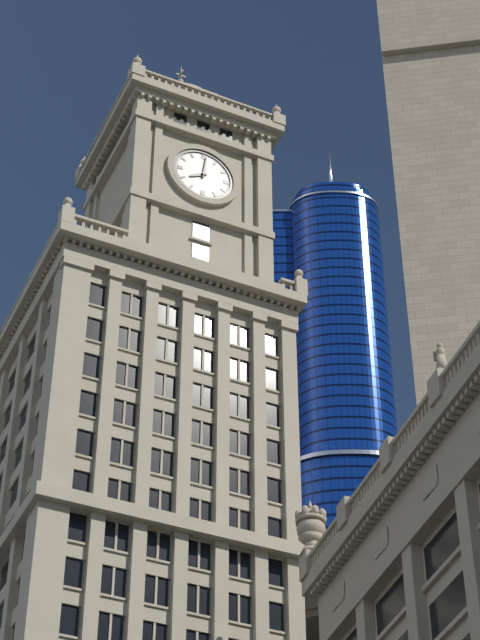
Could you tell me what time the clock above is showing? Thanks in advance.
8:01
